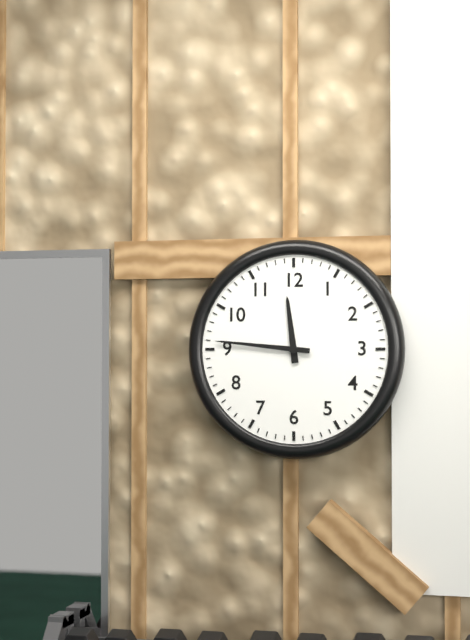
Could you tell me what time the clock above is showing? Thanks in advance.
11:46
